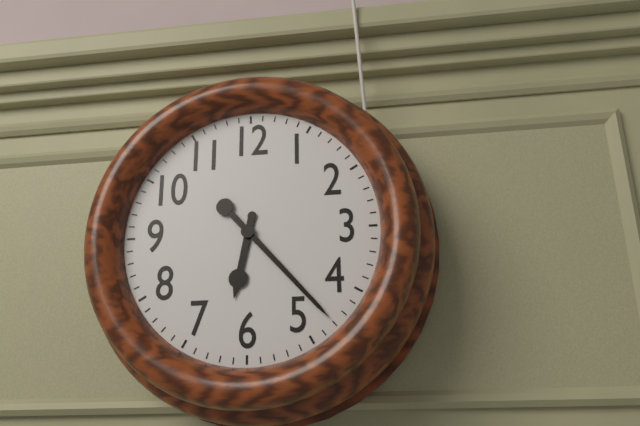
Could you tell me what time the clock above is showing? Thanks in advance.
6:23
